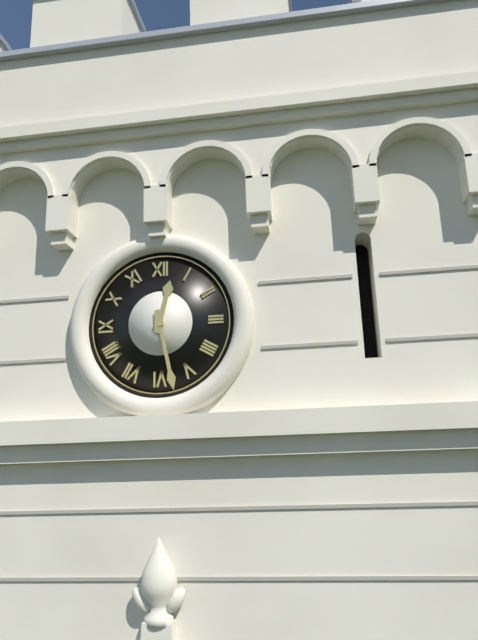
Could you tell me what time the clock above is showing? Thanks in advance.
12:28
